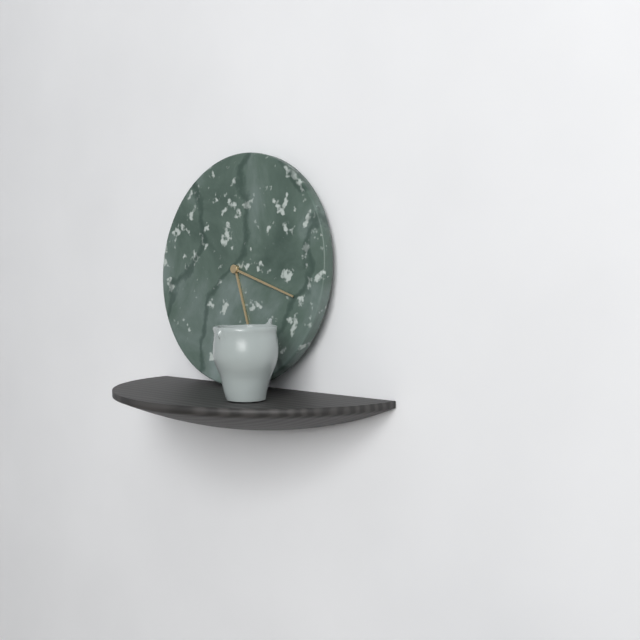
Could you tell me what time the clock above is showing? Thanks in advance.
5:18
